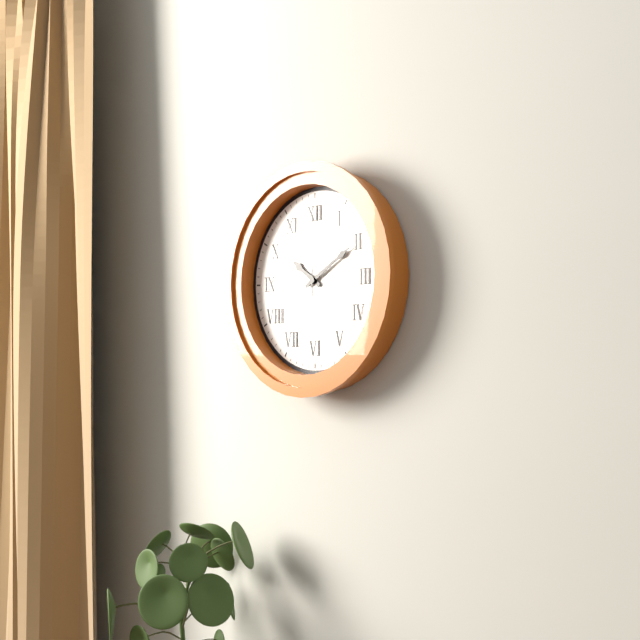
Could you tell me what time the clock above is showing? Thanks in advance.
10:10:00
